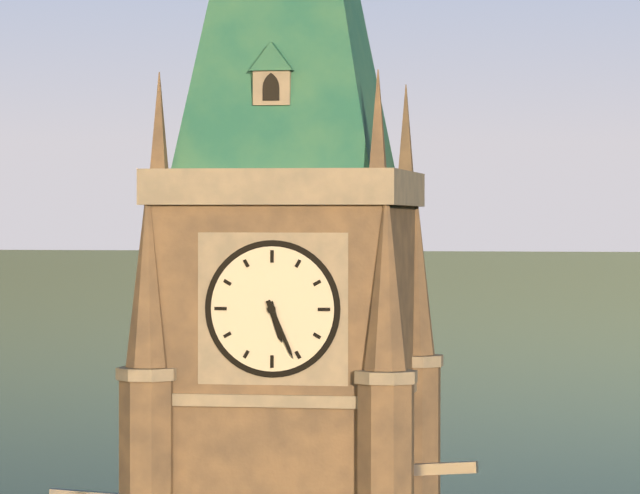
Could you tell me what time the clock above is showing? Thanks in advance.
5:26
